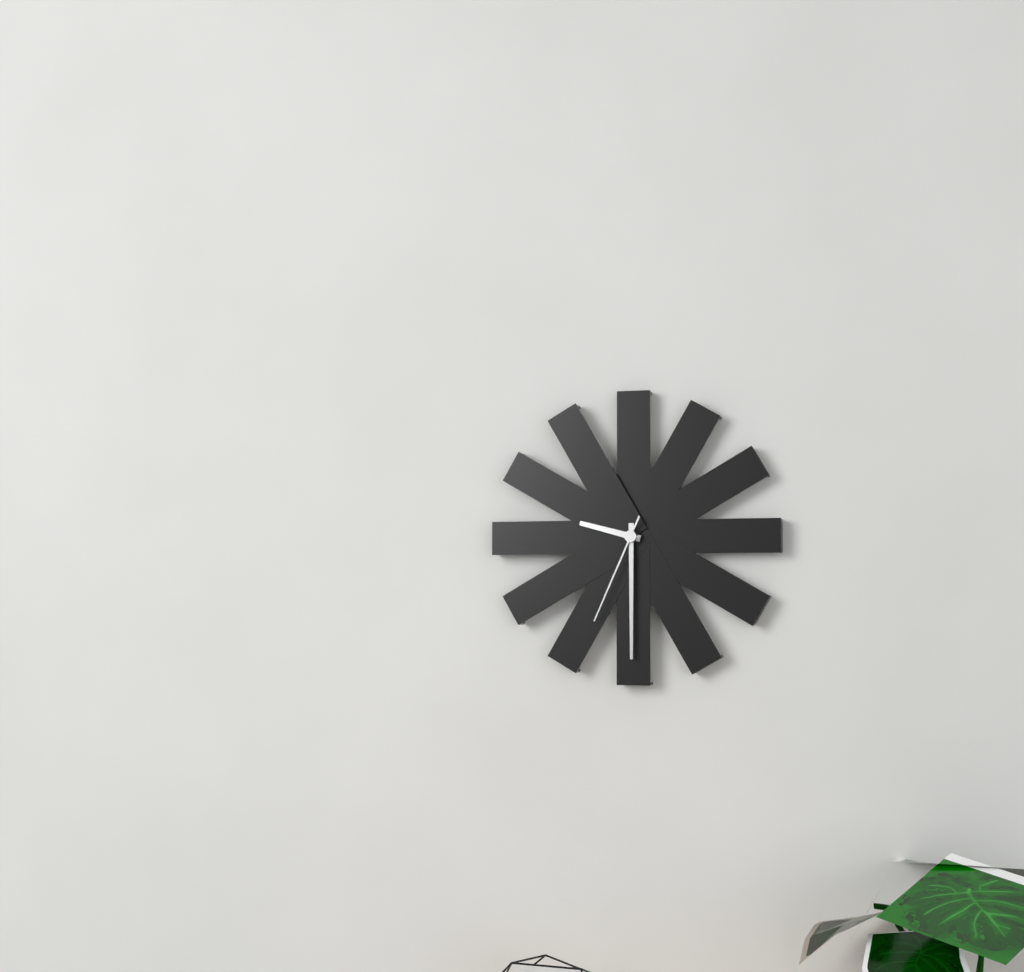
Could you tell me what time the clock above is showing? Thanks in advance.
9:30:34
